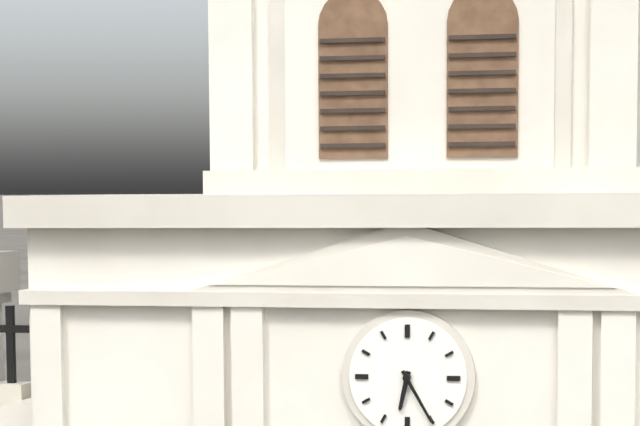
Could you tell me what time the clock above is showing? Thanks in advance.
6:25
